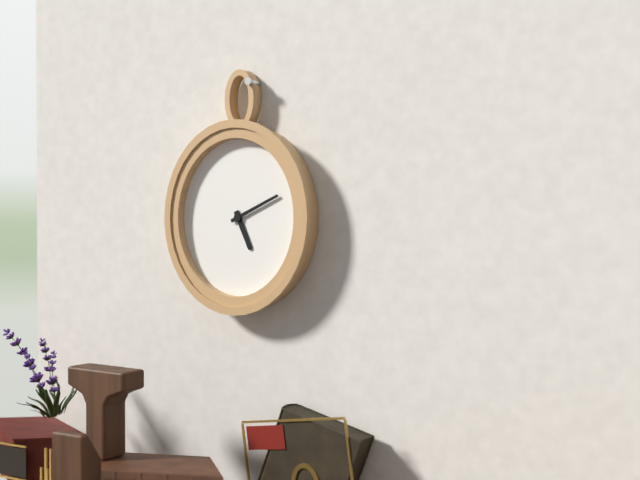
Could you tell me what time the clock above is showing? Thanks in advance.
5:11
